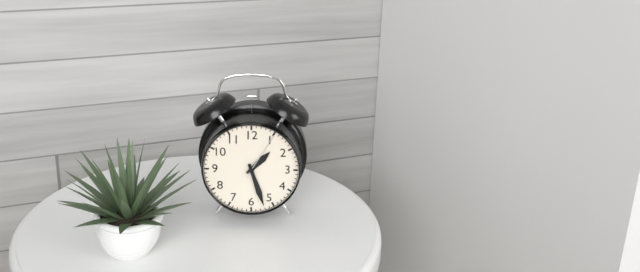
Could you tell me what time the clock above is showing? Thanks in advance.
1:27
